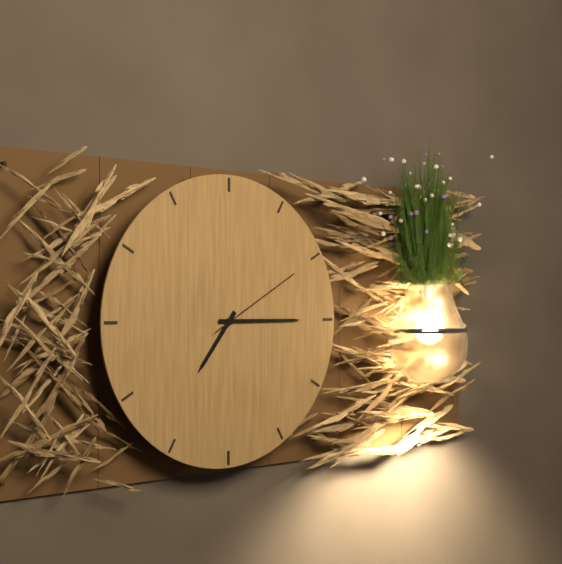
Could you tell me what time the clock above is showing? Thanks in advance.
7:15:10
